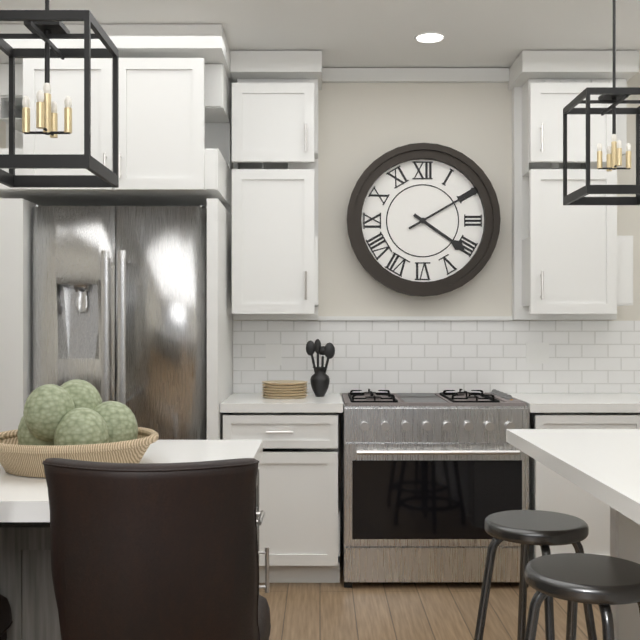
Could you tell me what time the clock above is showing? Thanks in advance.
4:10
